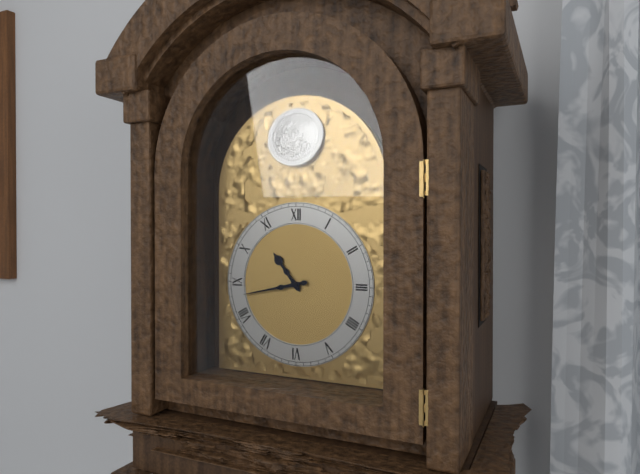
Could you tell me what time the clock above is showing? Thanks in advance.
10:43
